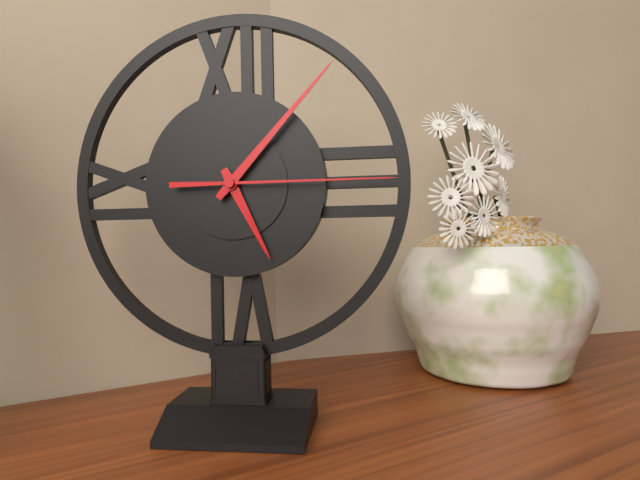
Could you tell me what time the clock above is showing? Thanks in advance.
5:07:15
